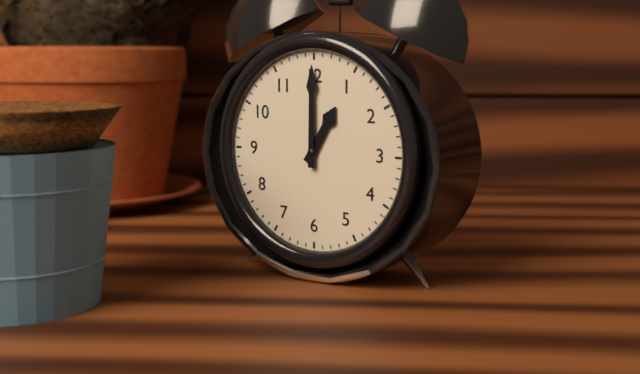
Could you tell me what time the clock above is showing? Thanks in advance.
1:00
